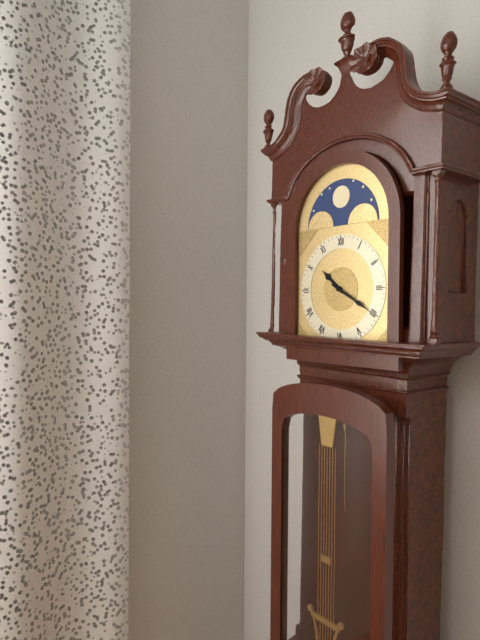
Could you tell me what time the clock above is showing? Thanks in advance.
10:20
